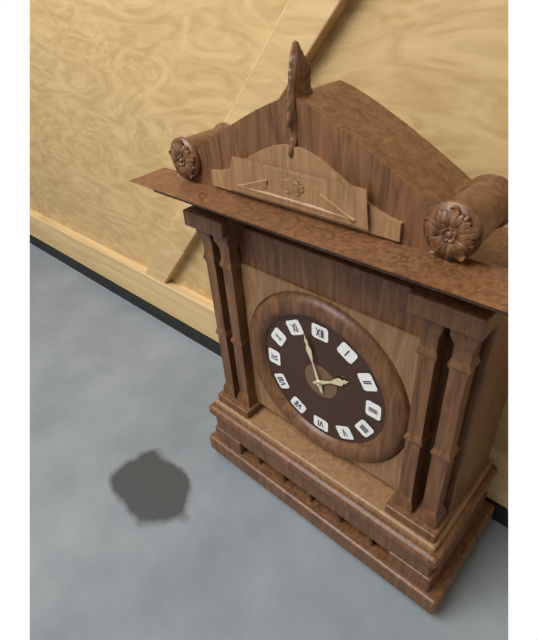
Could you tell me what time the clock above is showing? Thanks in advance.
1:57
